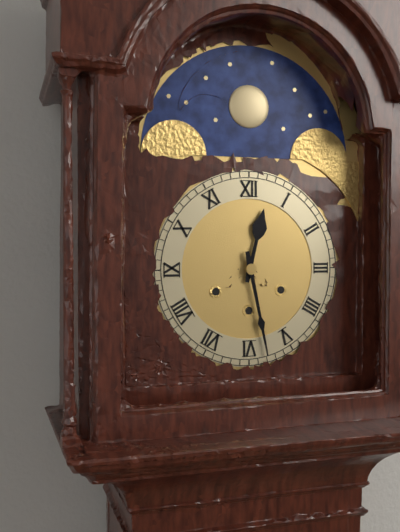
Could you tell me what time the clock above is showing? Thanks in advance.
12:28
